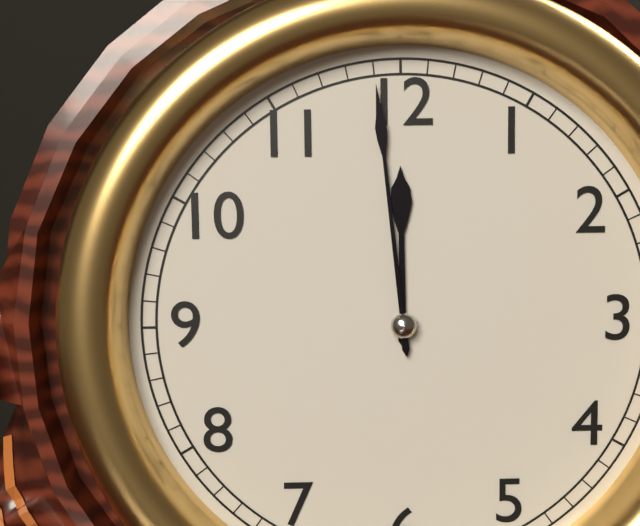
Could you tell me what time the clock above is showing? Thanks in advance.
11:59
